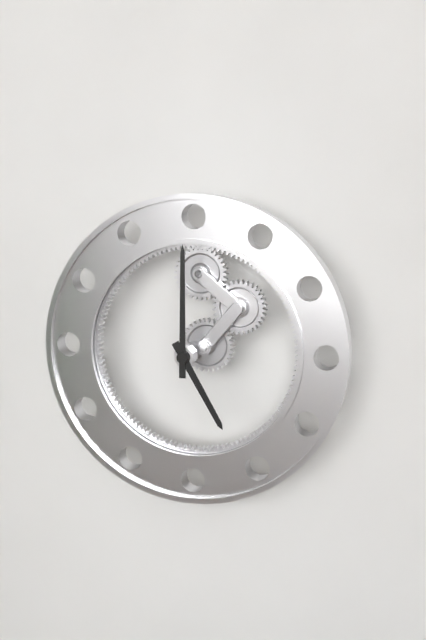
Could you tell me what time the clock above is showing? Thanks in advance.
5:00
